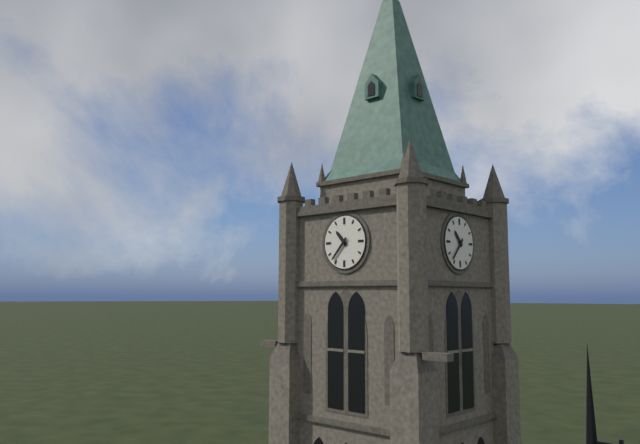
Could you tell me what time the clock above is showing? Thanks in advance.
10:37
